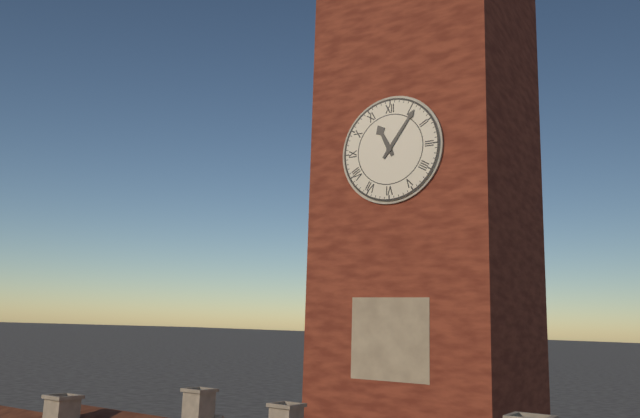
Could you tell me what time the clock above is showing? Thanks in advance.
11:06
